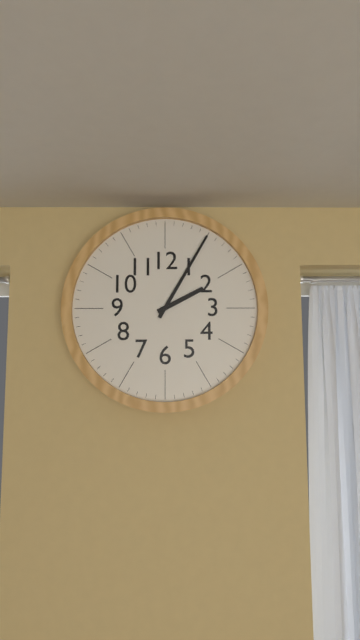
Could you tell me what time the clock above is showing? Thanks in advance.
2:05
